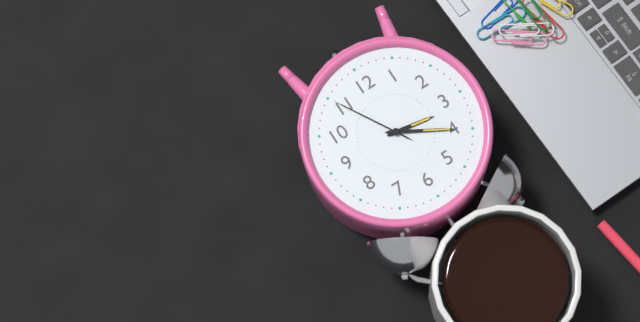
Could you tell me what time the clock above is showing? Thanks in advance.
3:20:55
